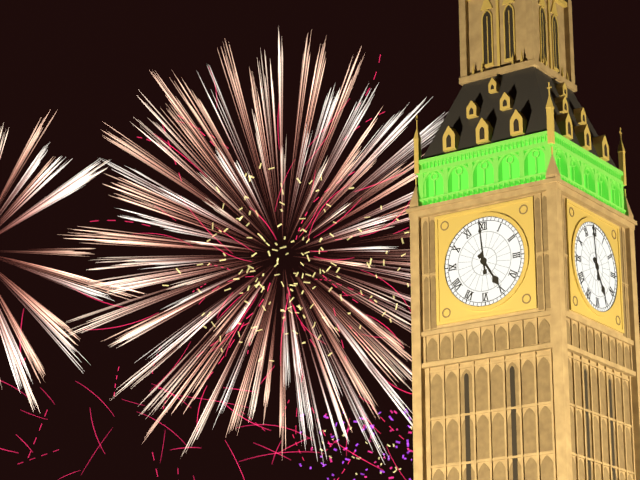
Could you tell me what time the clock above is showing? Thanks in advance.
4:59
